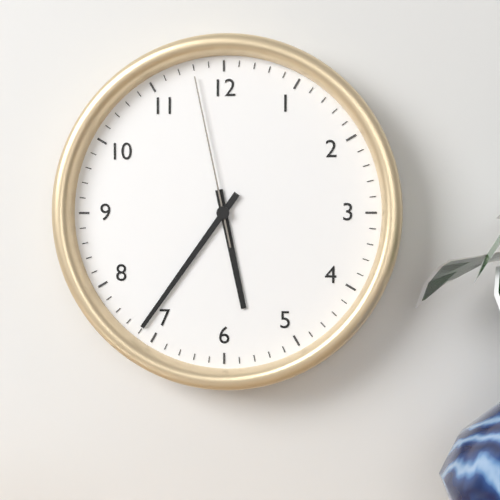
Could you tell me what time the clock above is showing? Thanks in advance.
5:36:58
